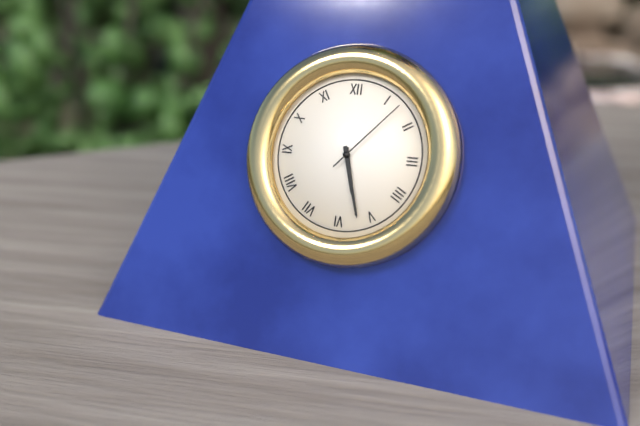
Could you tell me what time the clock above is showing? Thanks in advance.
5:27:07
